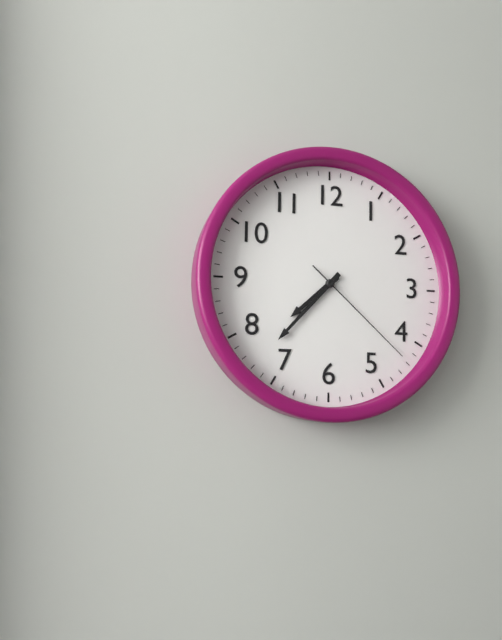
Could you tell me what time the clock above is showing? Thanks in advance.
7:37:22
